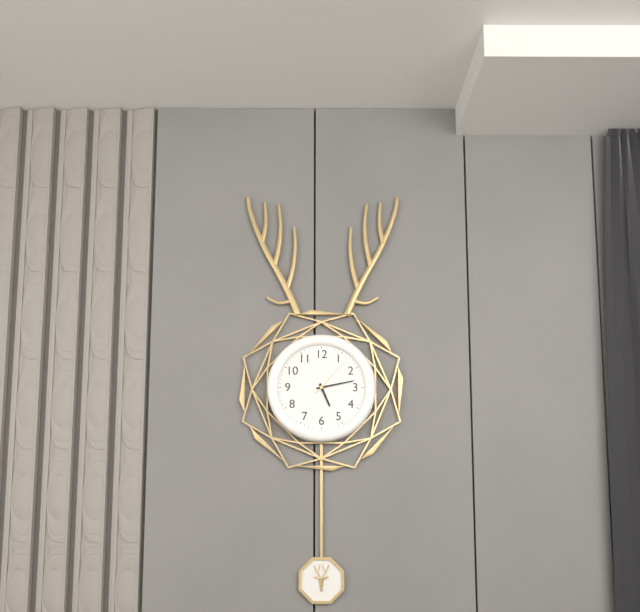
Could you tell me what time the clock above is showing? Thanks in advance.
5:13
